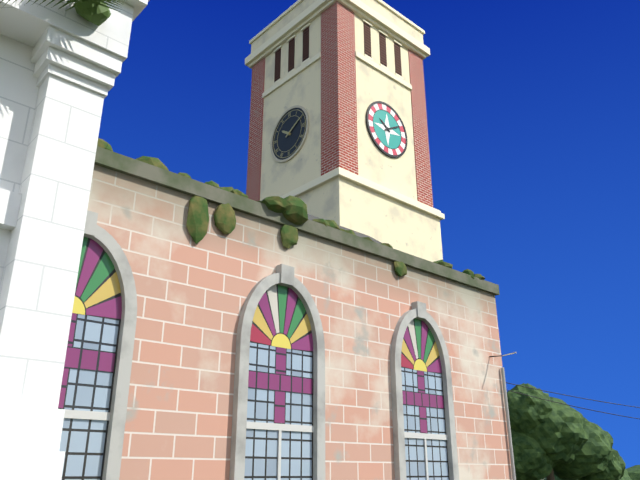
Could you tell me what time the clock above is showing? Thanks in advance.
10:10
